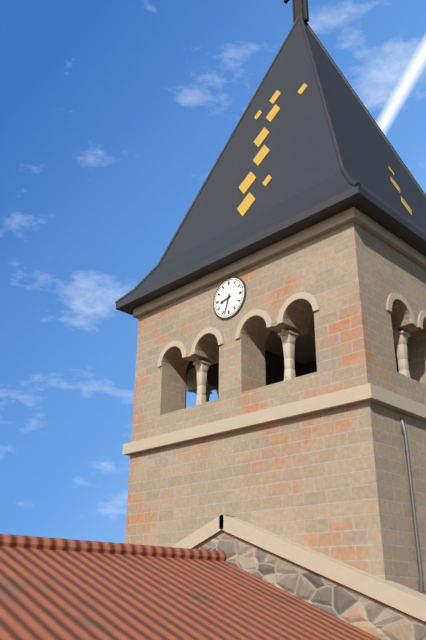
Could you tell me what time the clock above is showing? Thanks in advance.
8:33
